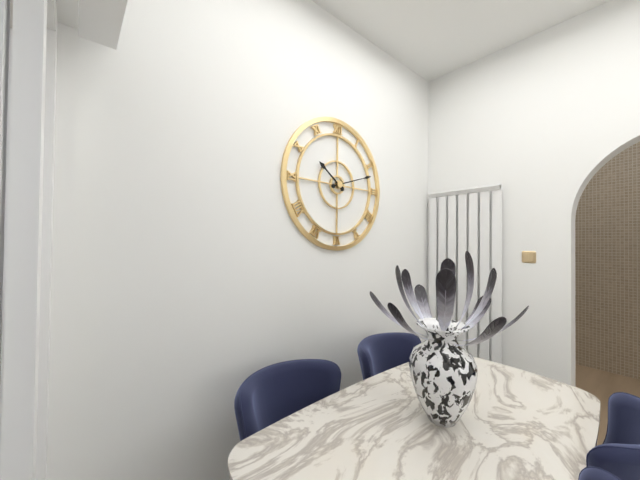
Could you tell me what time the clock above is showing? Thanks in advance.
10:12
